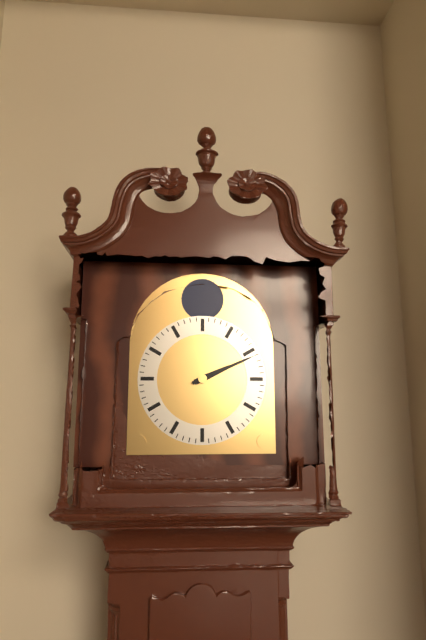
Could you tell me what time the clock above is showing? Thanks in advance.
2:11
